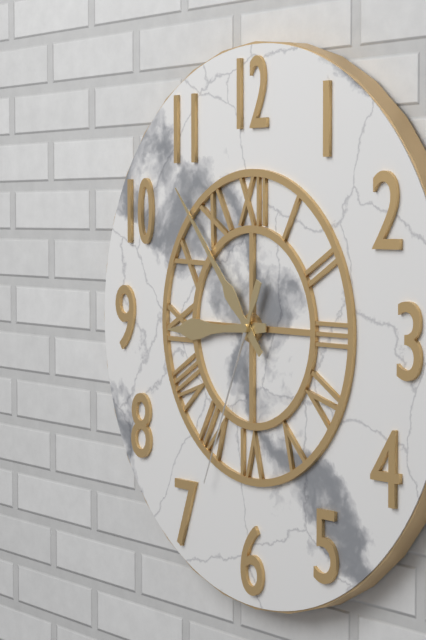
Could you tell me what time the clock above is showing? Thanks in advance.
8:53:34
